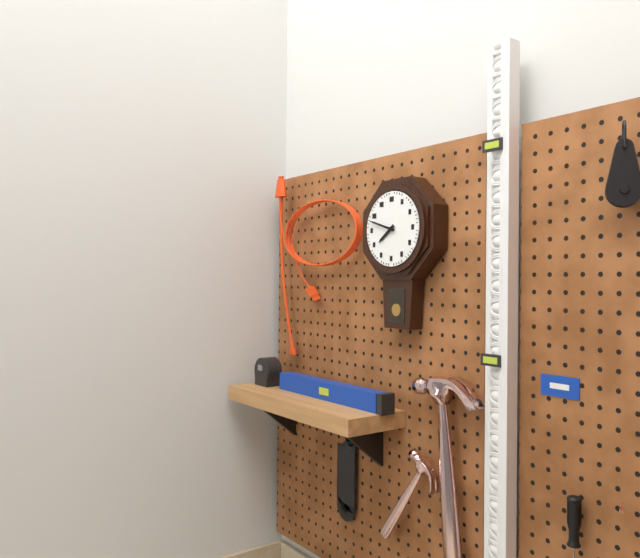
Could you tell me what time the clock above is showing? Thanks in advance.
7:48
